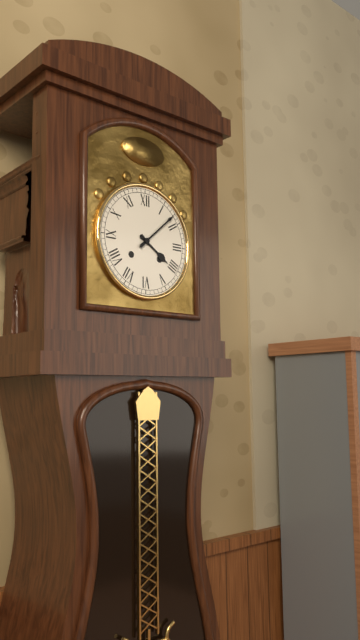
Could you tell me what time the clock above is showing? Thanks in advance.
4:08
